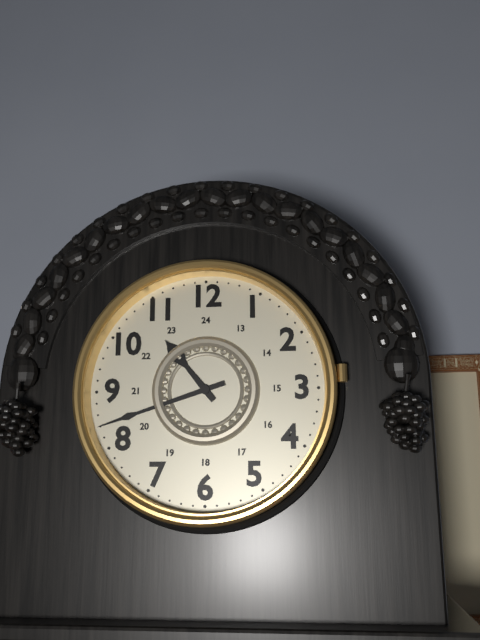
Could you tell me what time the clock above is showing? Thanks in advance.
10:42
